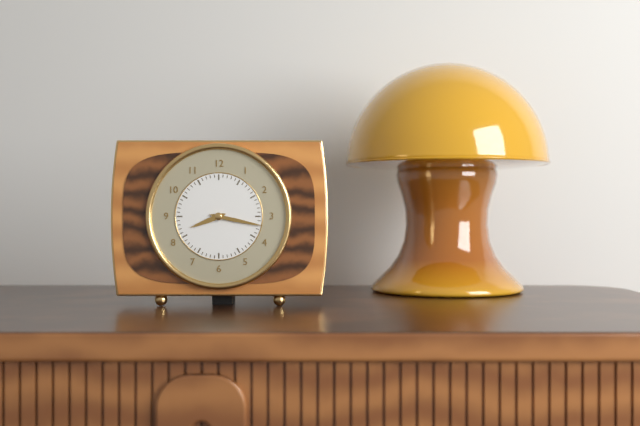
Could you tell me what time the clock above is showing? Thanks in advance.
8:17
